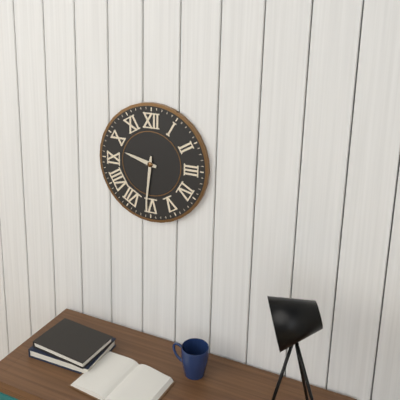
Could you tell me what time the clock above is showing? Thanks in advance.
9:31
